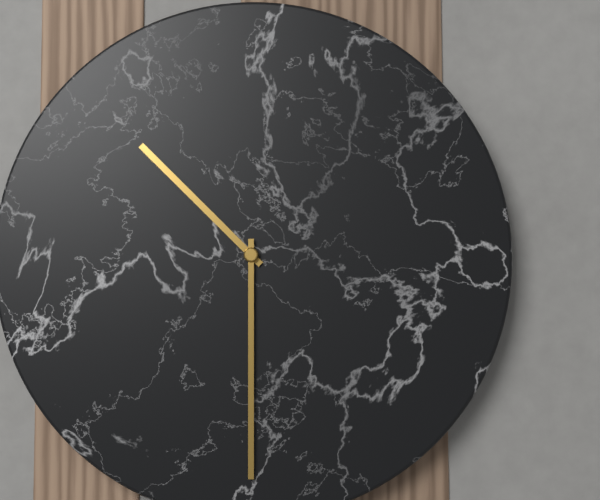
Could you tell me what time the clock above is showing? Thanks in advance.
10:30
